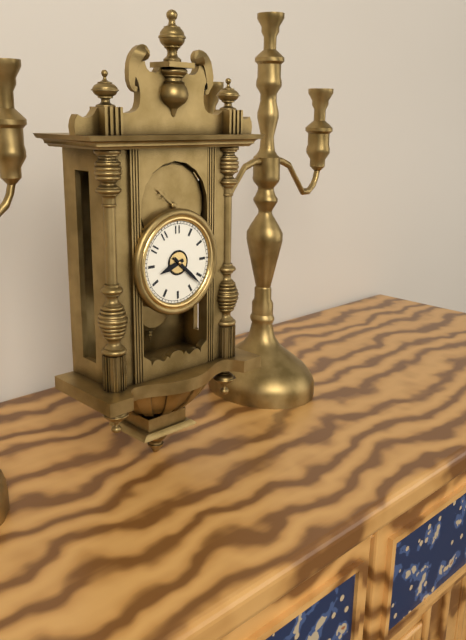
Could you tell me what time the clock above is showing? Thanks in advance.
8:22
